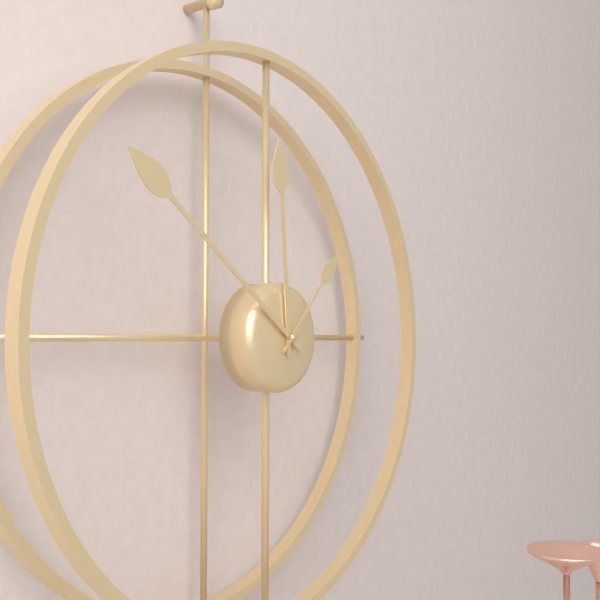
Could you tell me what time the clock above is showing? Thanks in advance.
11:51:07
